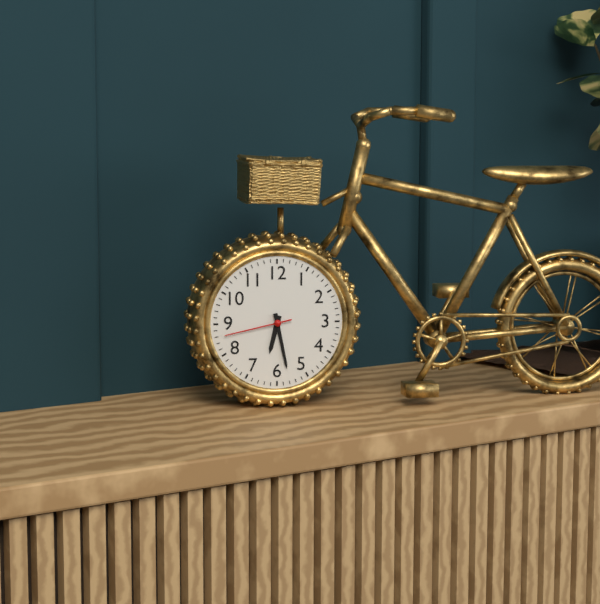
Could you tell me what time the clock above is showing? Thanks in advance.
6:28:43
